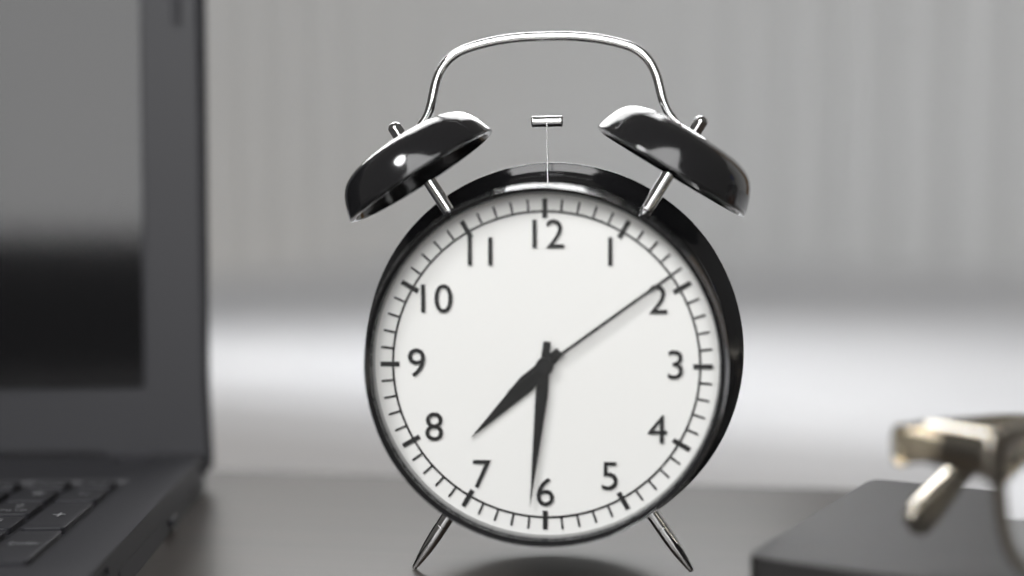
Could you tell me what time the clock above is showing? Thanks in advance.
7:31:09
